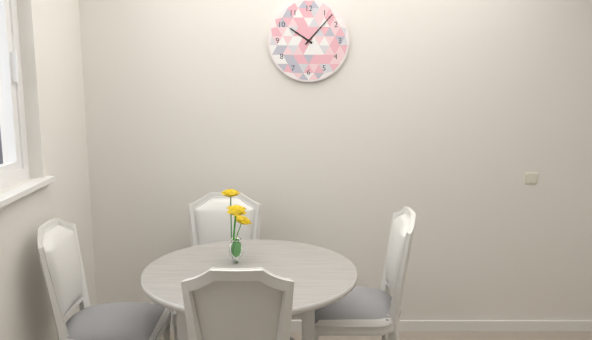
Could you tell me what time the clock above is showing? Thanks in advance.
10:07
